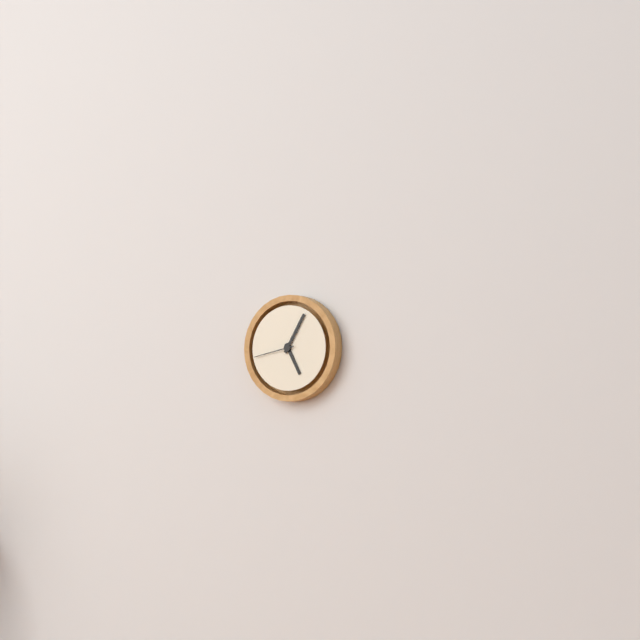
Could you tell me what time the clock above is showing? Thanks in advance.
5:05
